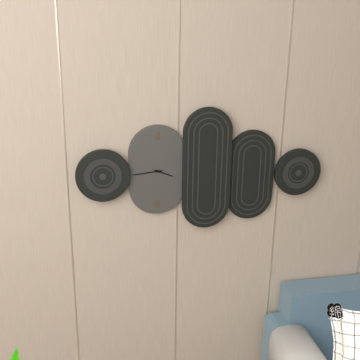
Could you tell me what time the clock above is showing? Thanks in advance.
3:44
